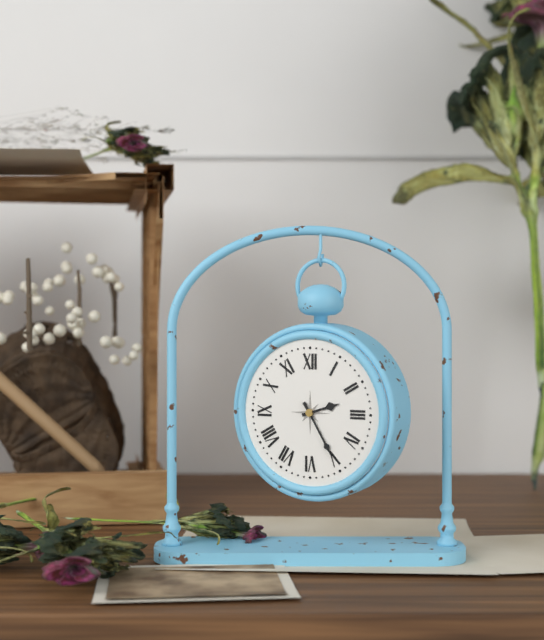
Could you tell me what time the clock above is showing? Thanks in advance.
2:25
